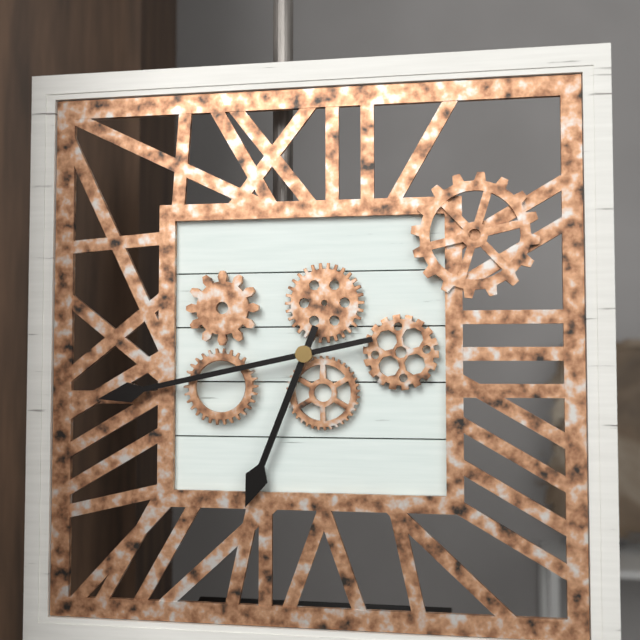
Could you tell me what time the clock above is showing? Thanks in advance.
6:43
